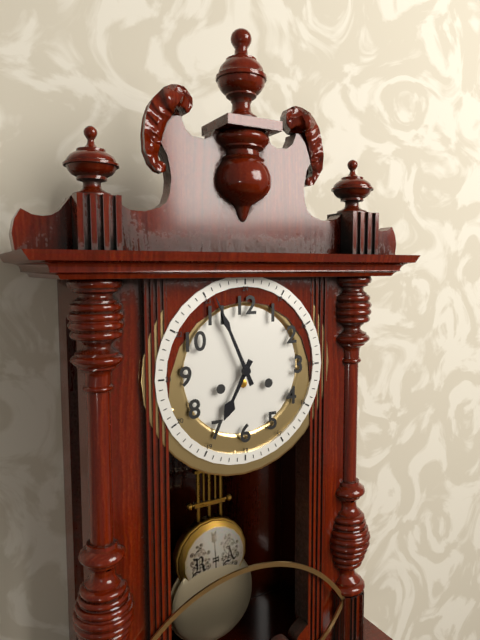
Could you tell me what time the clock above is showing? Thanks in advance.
6:56
